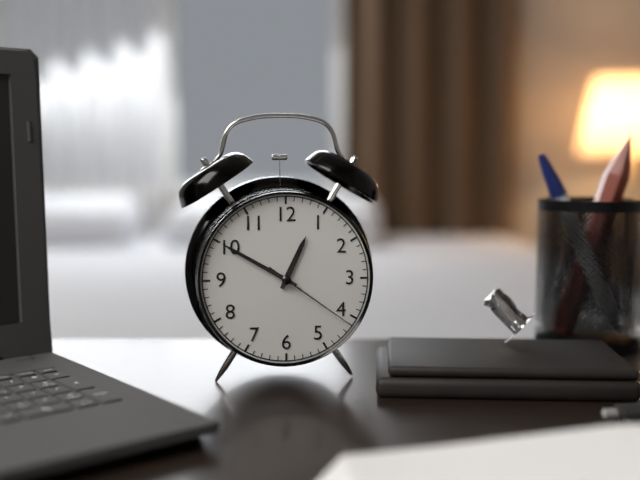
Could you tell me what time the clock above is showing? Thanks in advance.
12:50:21
